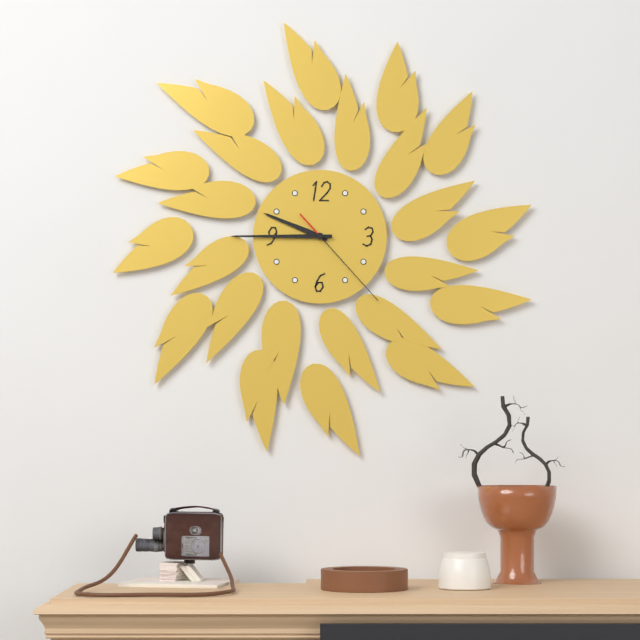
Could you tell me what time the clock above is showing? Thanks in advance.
9:45:23
